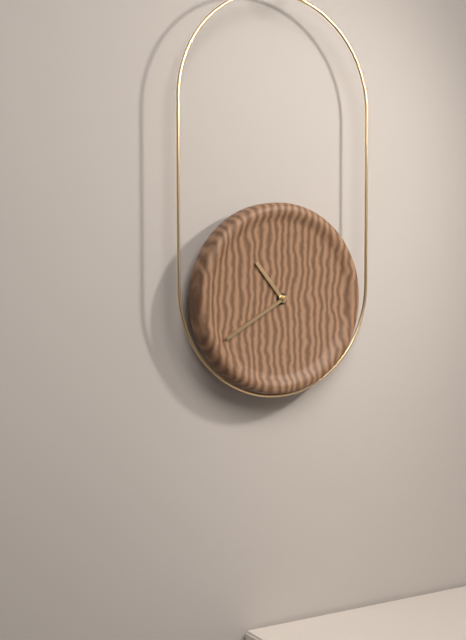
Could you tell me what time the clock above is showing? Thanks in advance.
10:40
